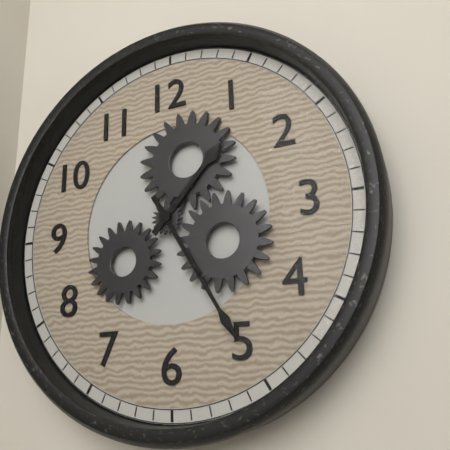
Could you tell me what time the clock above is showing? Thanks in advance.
1:25
